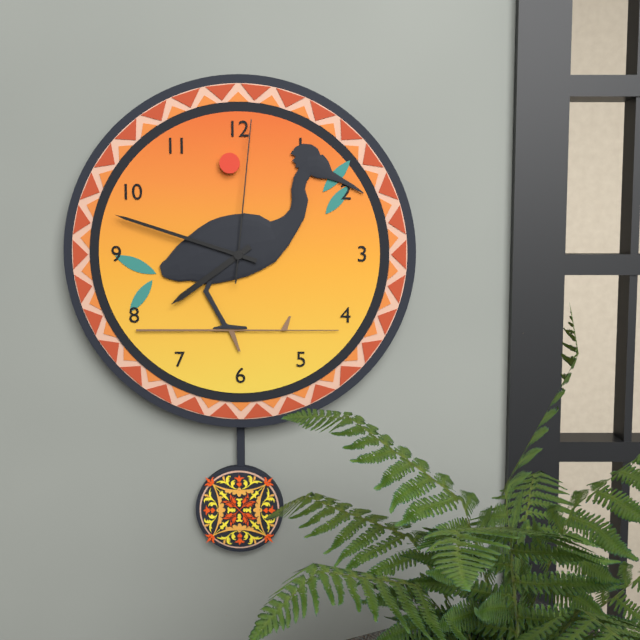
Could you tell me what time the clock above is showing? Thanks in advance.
7:48:01
